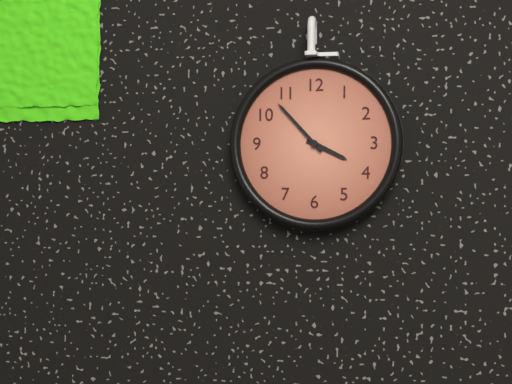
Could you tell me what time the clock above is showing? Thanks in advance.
3:53
